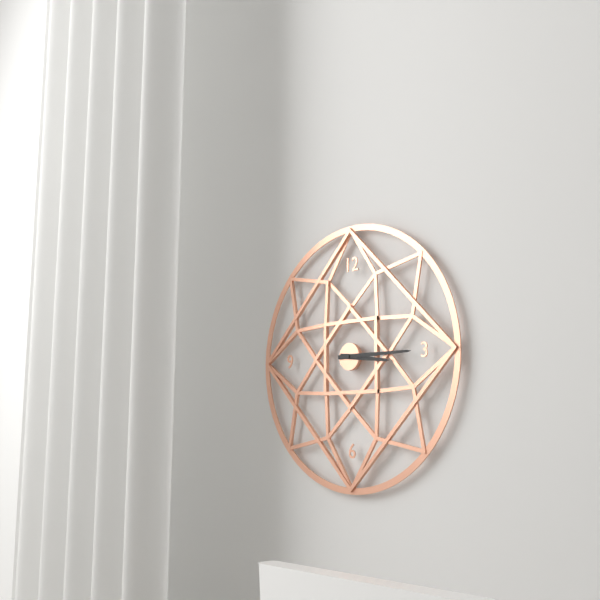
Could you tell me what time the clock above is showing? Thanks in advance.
3:15
